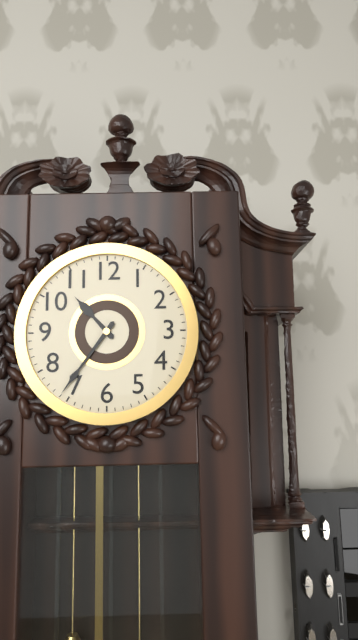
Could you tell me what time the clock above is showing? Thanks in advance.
10:36
